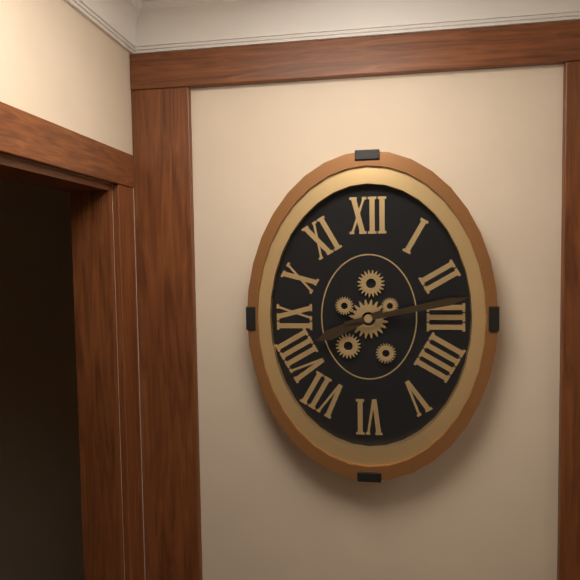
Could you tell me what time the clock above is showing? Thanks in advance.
8:13
